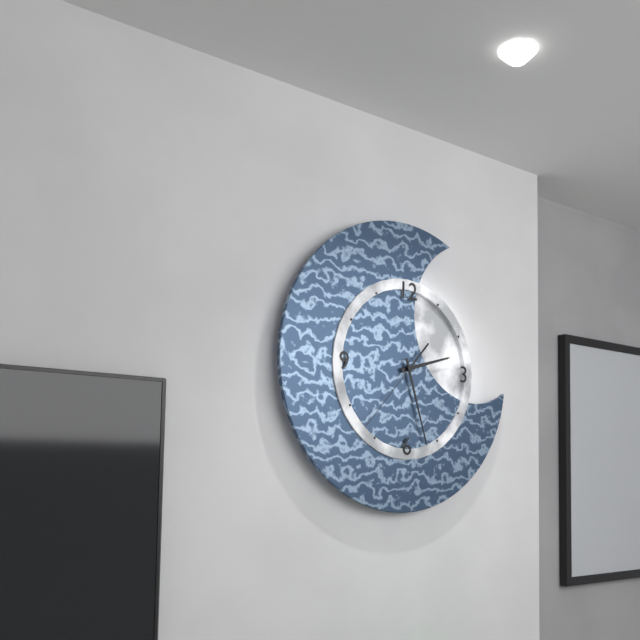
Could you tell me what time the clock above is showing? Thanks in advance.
2:27:37
